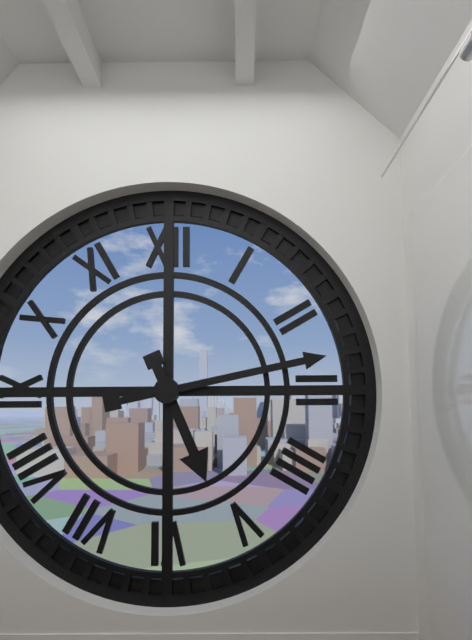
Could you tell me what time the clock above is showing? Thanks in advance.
5:13
